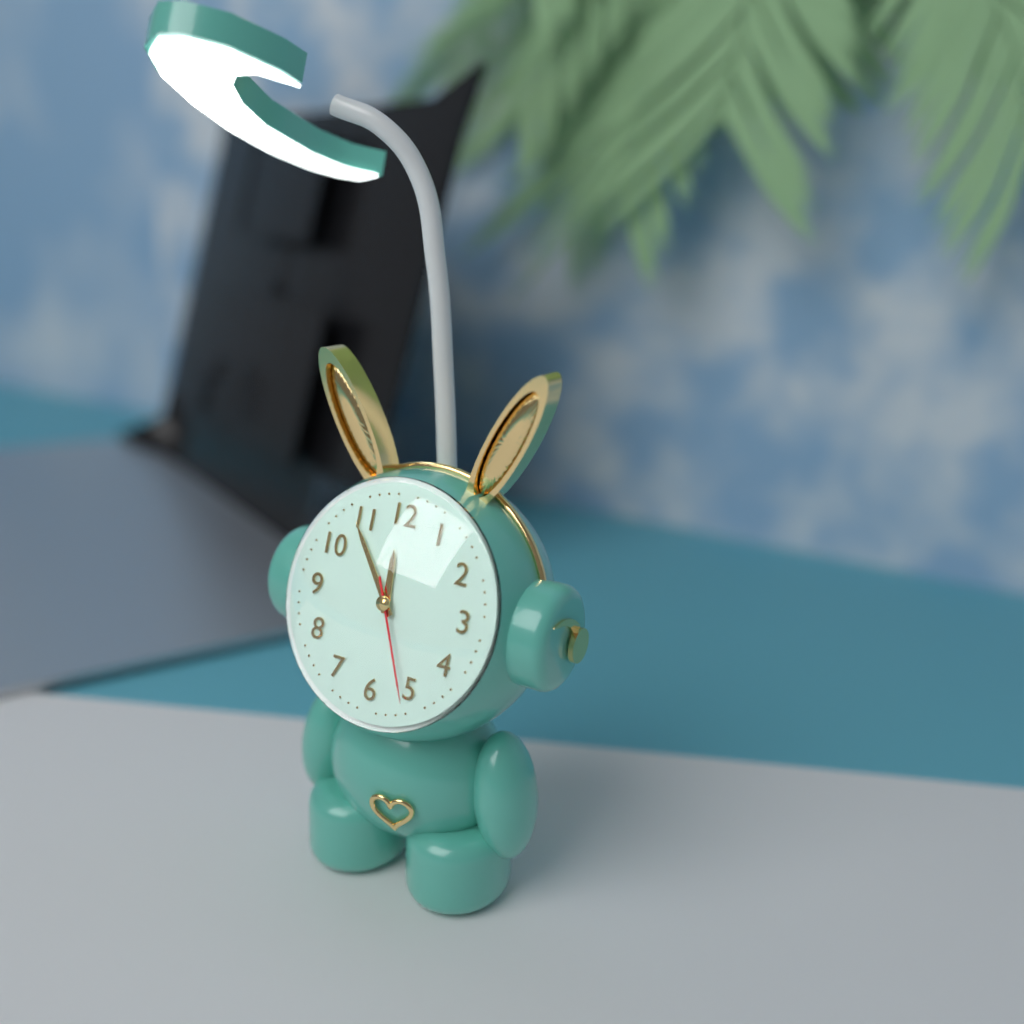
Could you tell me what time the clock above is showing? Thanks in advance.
11:54:26
